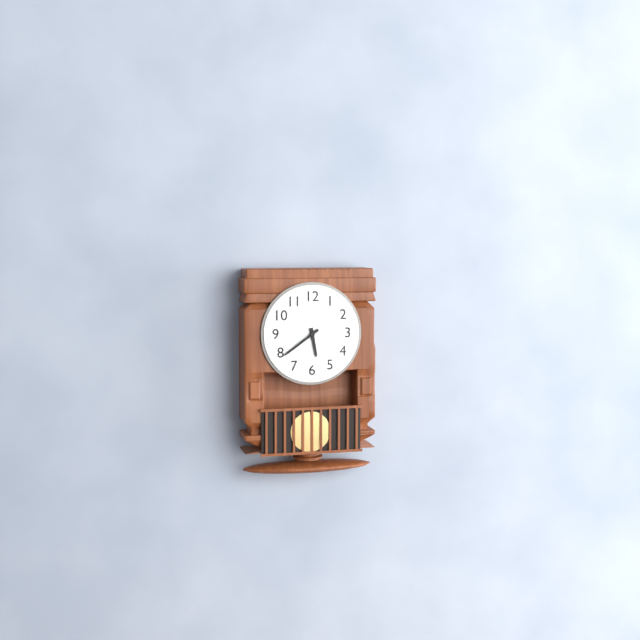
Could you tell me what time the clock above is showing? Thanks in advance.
5:39
